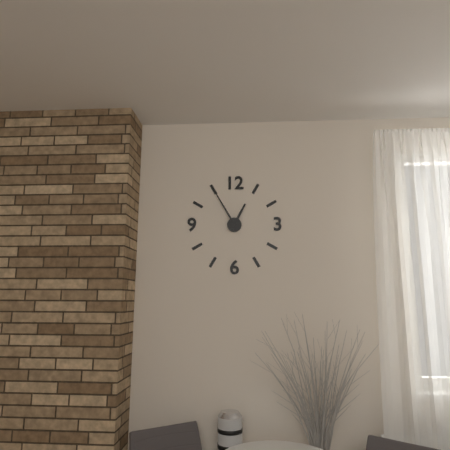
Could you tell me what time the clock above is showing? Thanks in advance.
12:55
